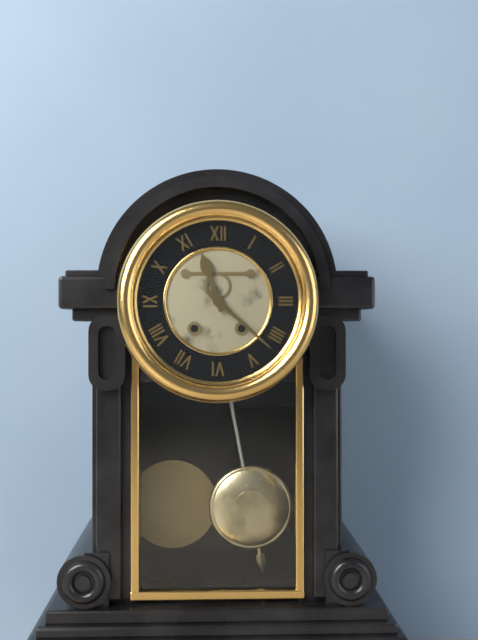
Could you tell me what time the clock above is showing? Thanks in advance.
11:22
